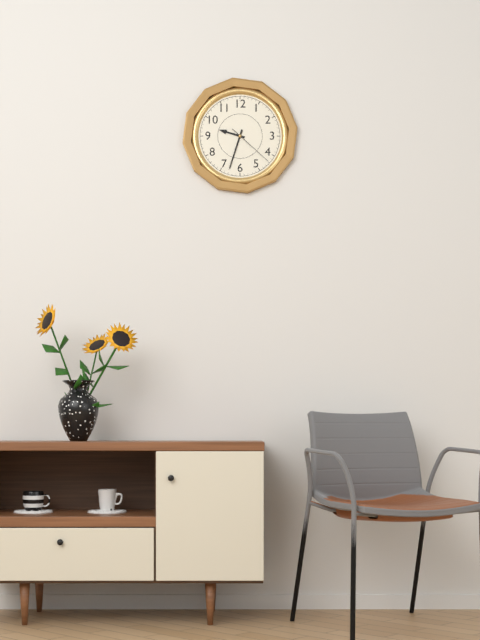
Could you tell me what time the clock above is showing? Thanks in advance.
9:33
